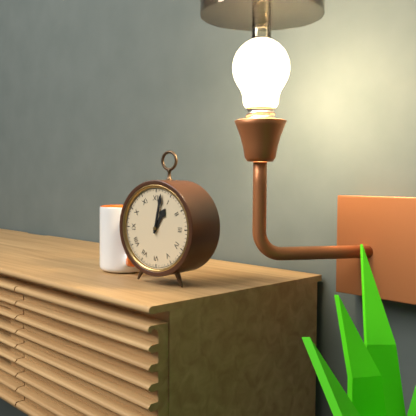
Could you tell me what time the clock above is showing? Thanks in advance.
1:02
